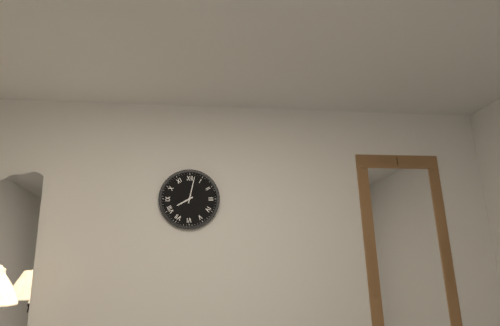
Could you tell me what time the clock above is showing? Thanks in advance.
8:02
